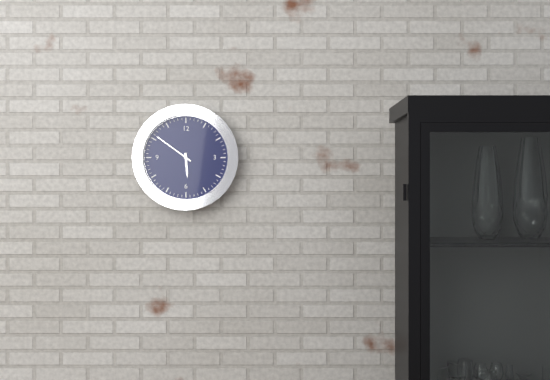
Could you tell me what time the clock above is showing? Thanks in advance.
5:51
